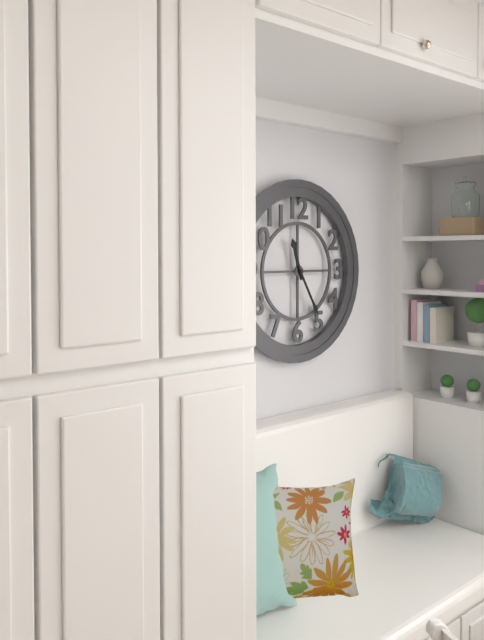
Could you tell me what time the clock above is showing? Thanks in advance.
11:25
